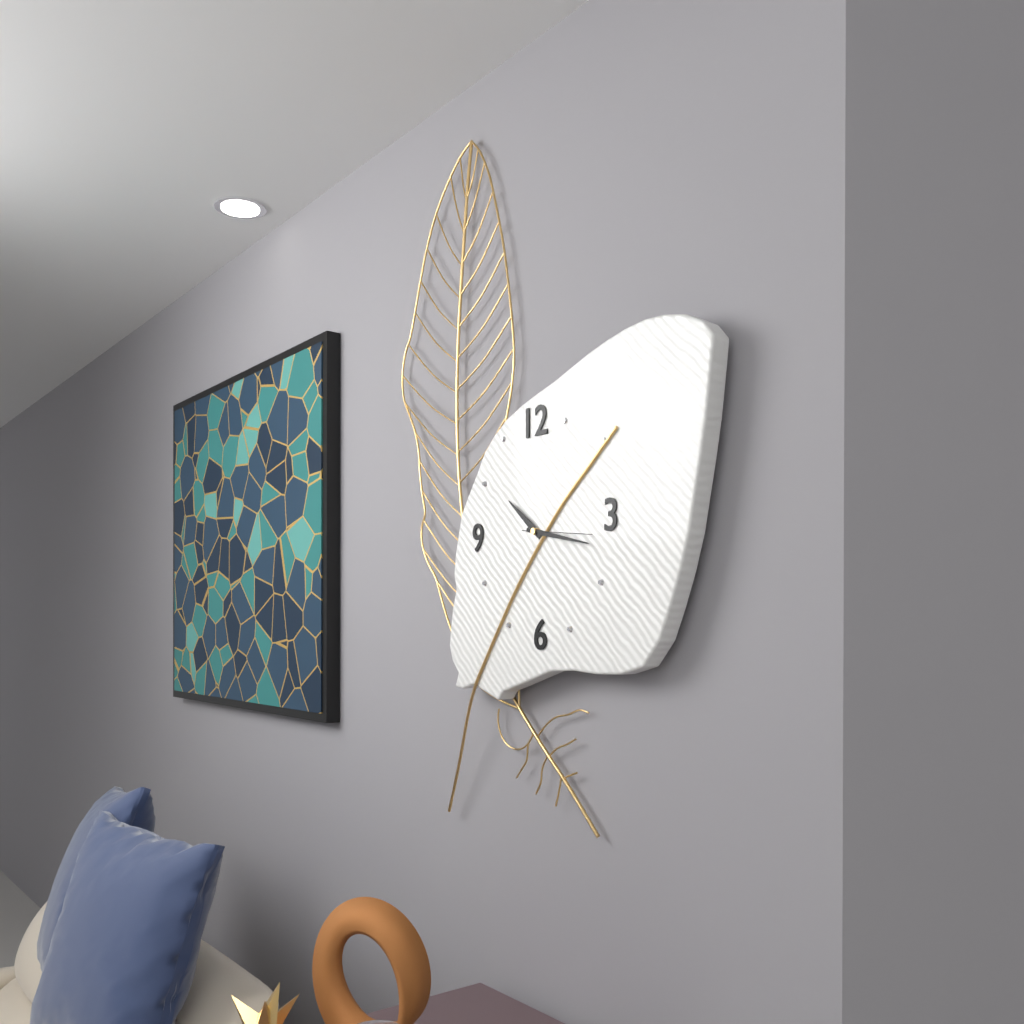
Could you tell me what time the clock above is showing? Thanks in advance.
10:17:16
